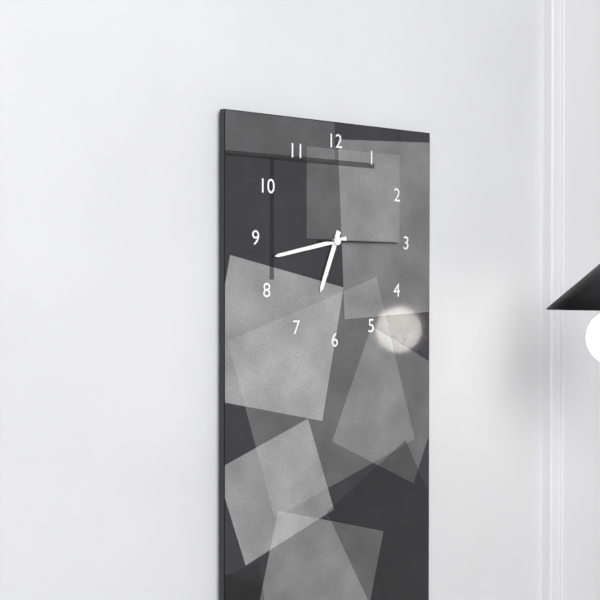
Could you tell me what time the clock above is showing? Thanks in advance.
6:43:15
